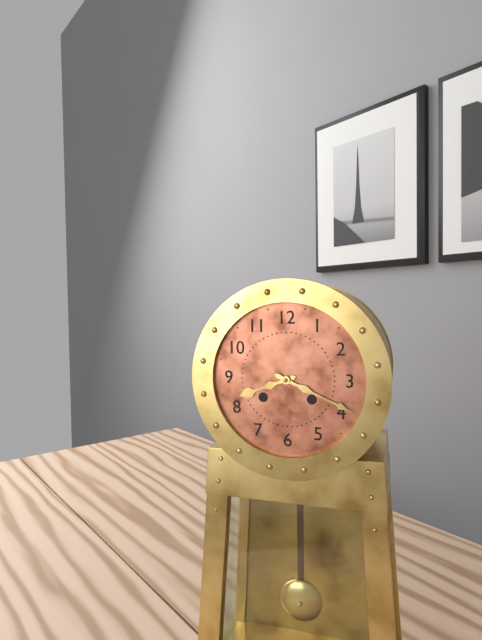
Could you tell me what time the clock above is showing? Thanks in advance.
8:19
